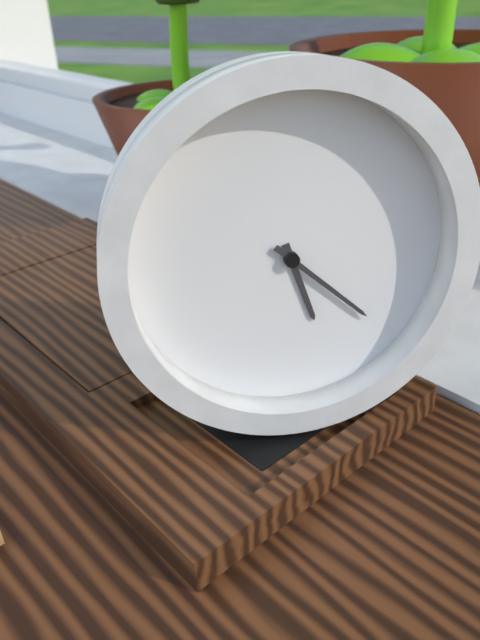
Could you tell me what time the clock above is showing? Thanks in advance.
5:22
